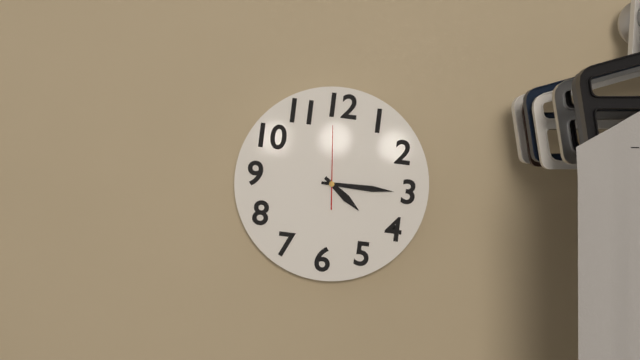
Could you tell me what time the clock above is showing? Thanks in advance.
4:15:59
